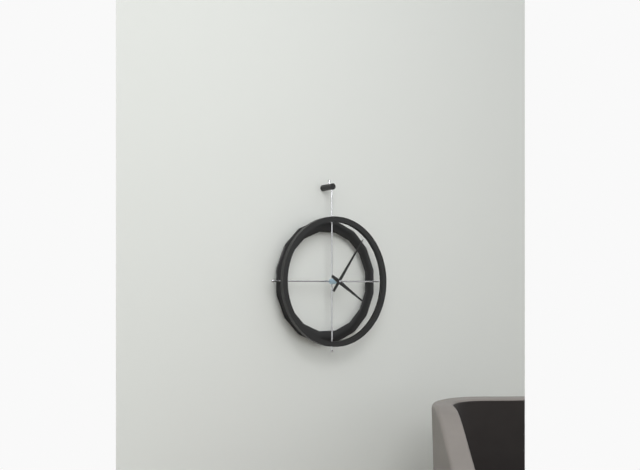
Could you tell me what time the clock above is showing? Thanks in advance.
4:06
